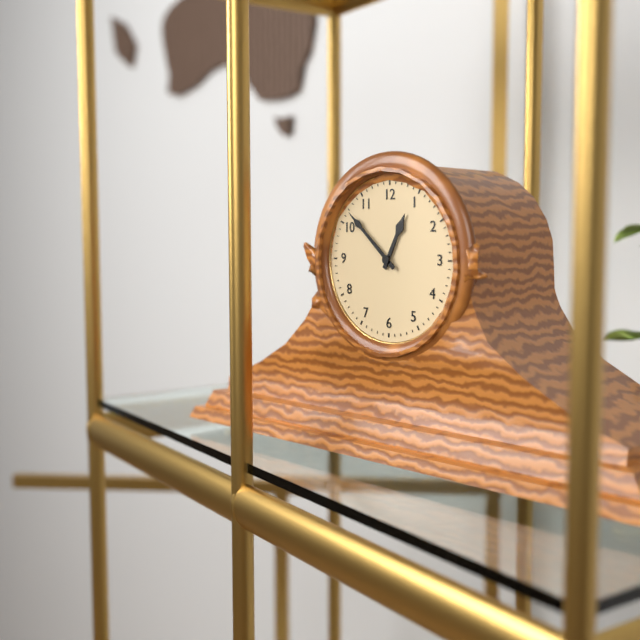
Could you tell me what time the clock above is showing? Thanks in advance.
12:52
